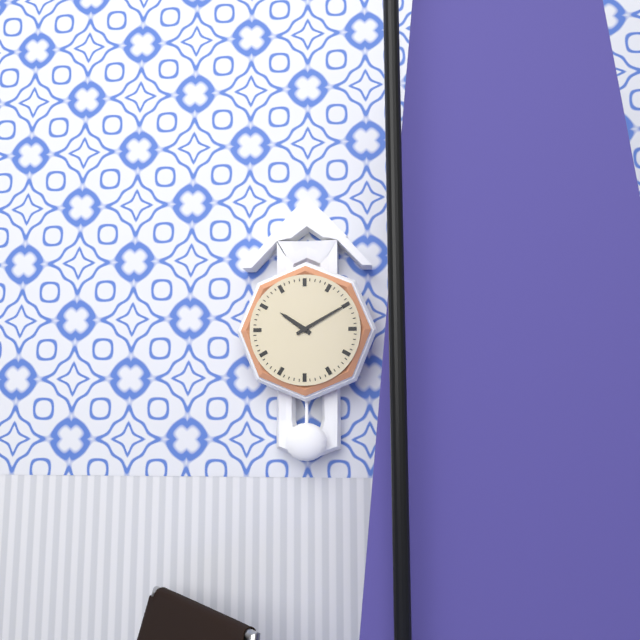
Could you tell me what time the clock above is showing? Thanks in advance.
10:10
